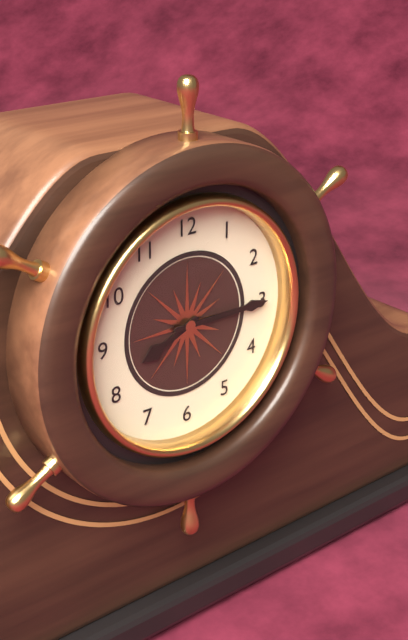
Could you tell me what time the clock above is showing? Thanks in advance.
8:15
